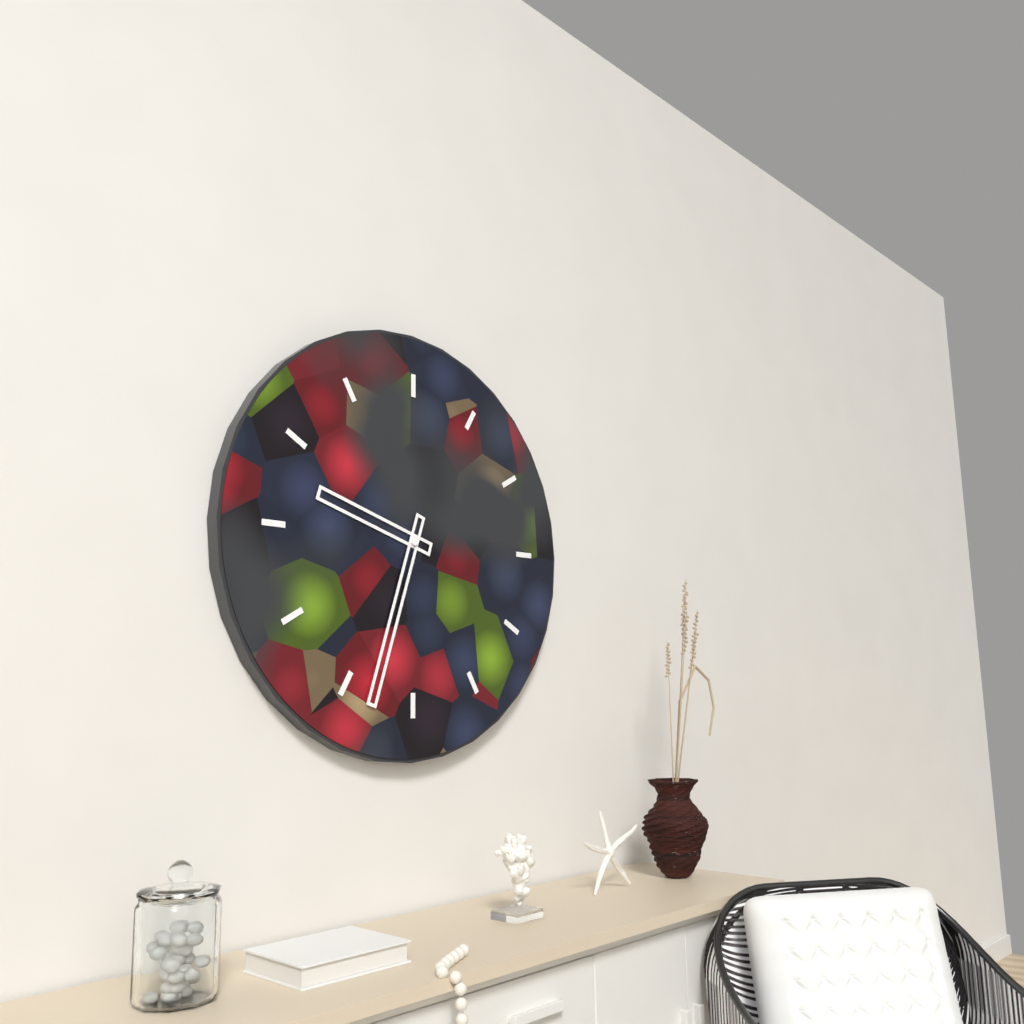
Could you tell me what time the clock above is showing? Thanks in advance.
9:33
